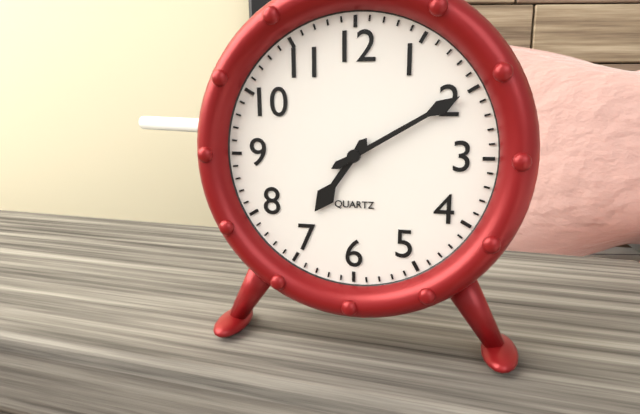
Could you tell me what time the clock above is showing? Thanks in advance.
7:10
